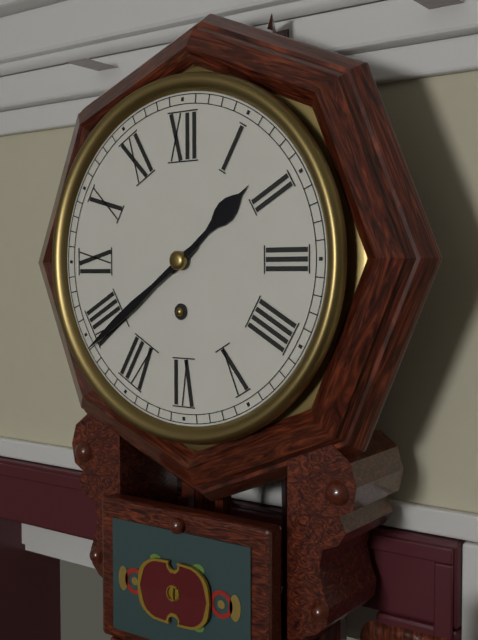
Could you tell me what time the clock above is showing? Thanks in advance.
1:39
